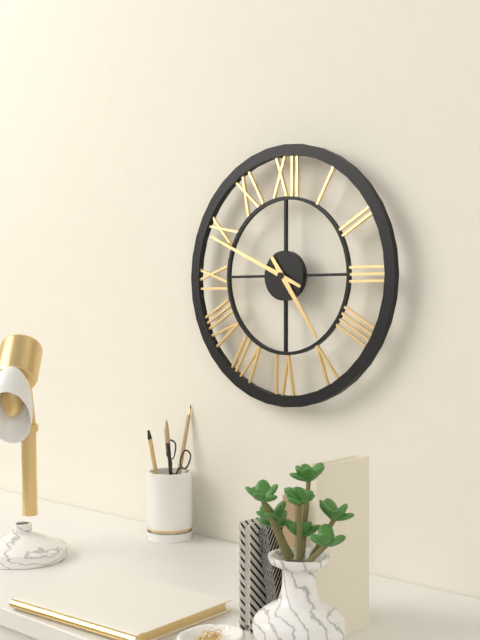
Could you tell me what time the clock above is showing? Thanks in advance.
4:49
